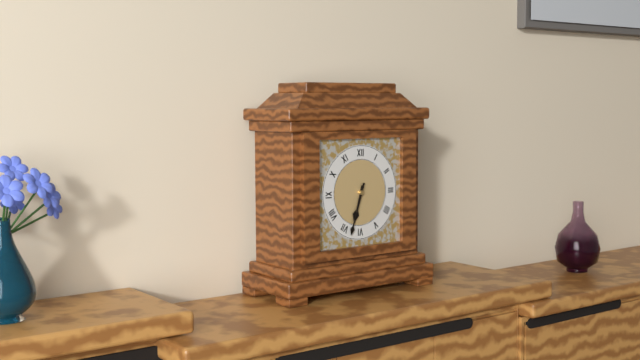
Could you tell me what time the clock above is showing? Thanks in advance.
6:33
